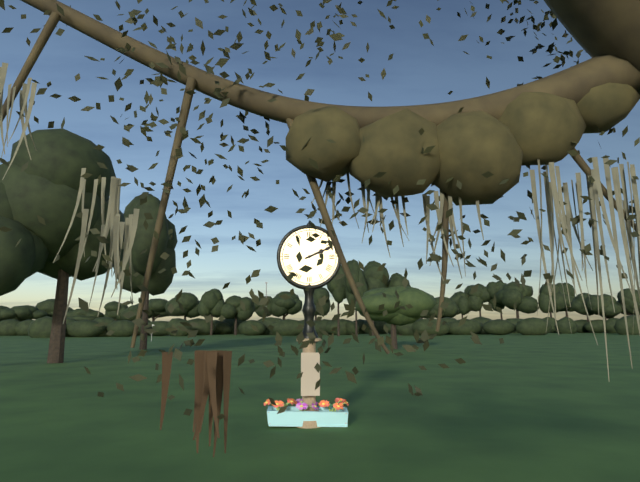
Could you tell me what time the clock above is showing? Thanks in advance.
2:11
